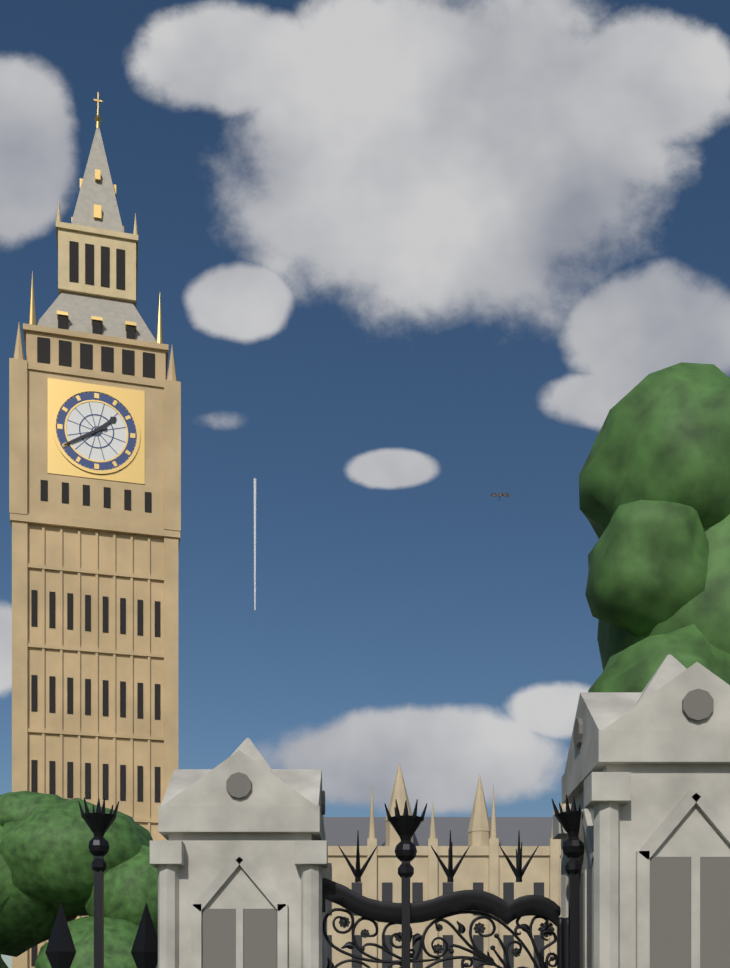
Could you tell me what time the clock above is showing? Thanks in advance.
1:40
